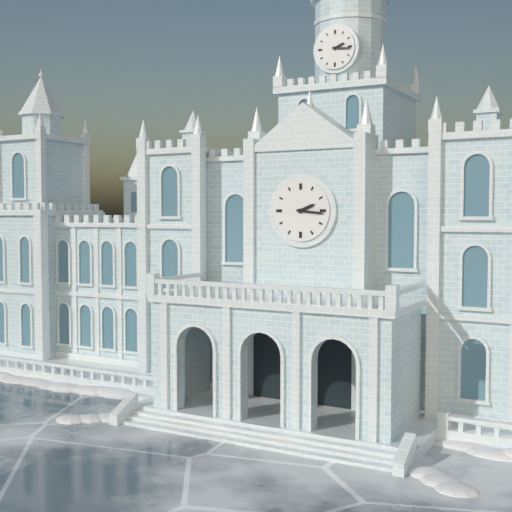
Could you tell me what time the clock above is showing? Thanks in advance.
2:16
